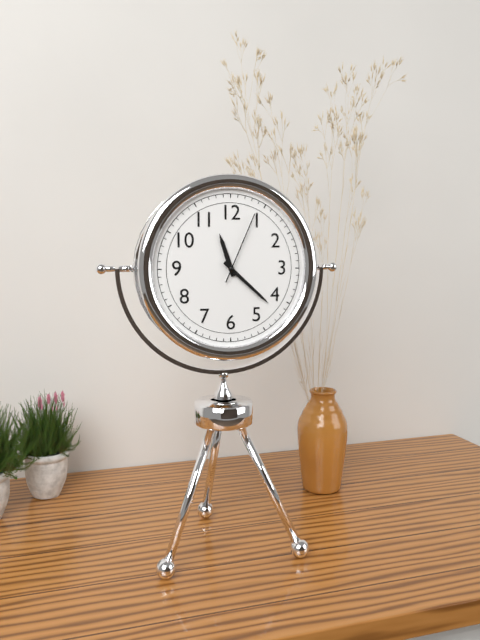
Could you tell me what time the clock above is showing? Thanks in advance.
11:22:04
